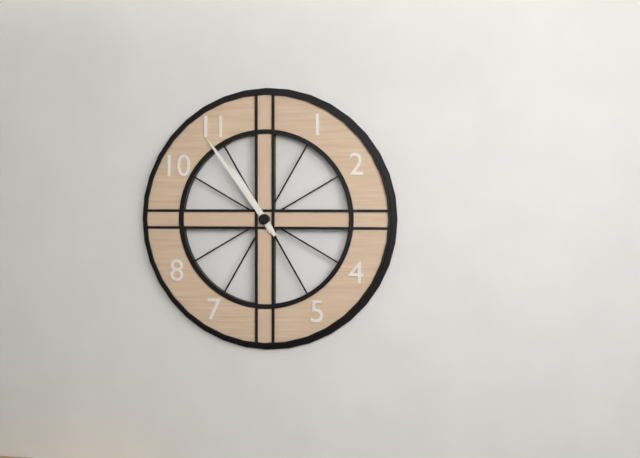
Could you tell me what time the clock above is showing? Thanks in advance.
10:54
